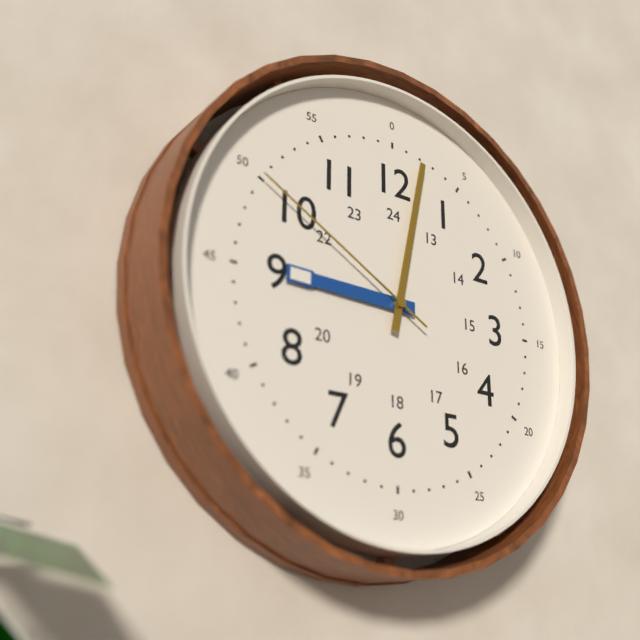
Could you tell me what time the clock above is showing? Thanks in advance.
9:02:50
